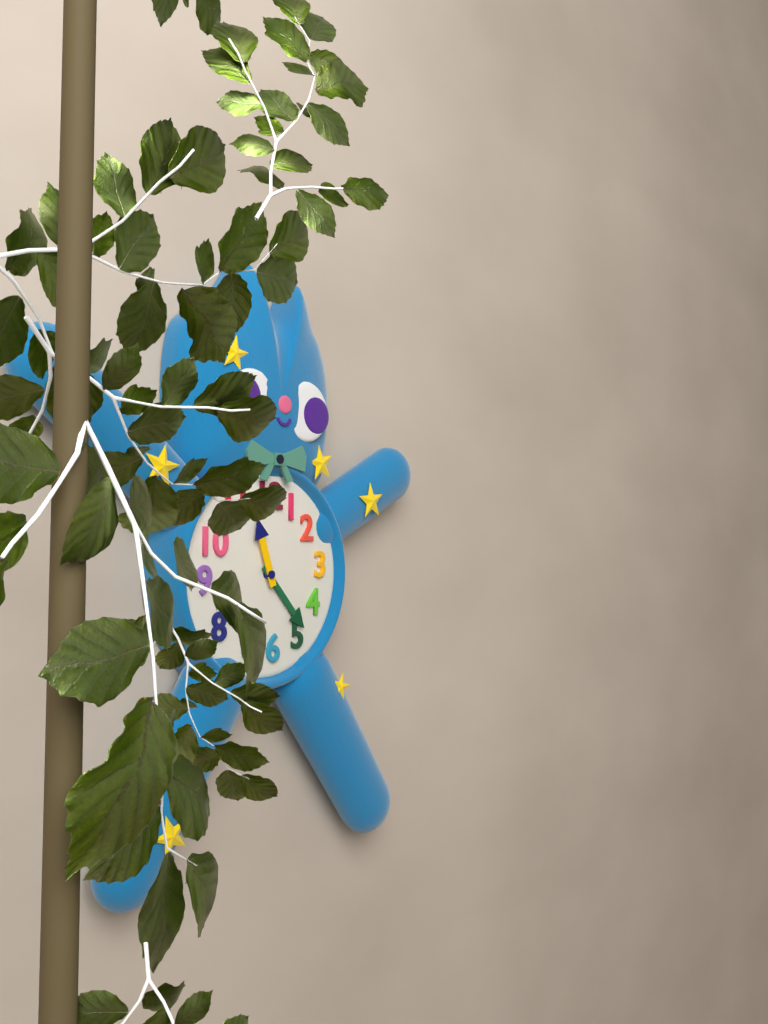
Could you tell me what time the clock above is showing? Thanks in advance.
11:23
